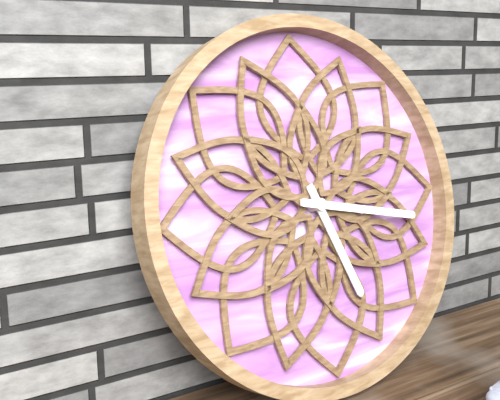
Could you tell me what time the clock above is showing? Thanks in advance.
5:17
